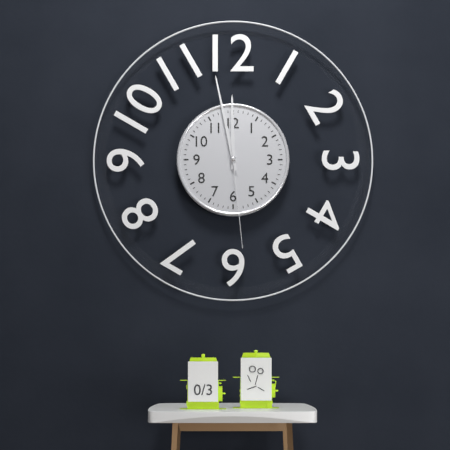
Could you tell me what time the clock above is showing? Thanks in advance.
11:58:29
